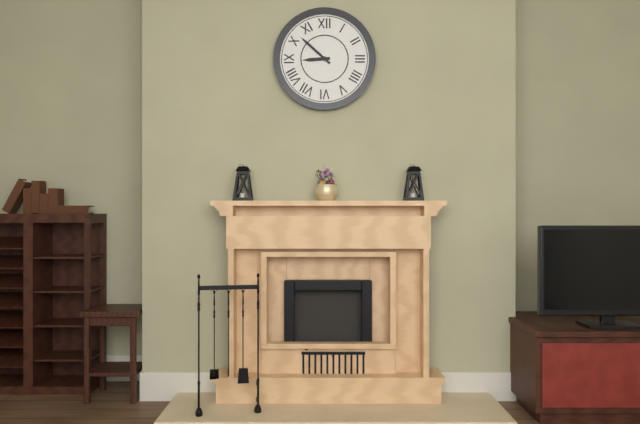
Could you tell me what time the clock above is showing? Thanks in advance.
8:52
